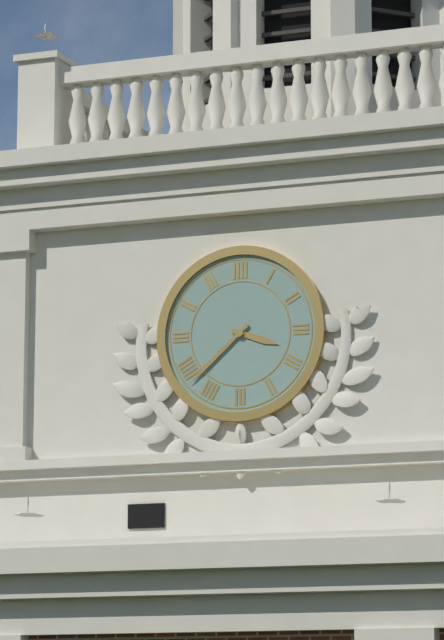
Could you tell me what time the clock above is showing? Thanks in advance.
3:38
